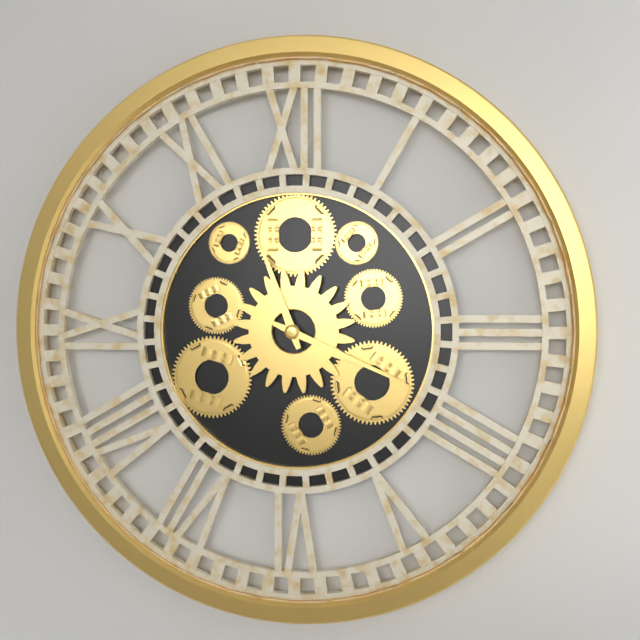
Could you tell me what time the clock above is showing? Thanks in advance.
11:19
